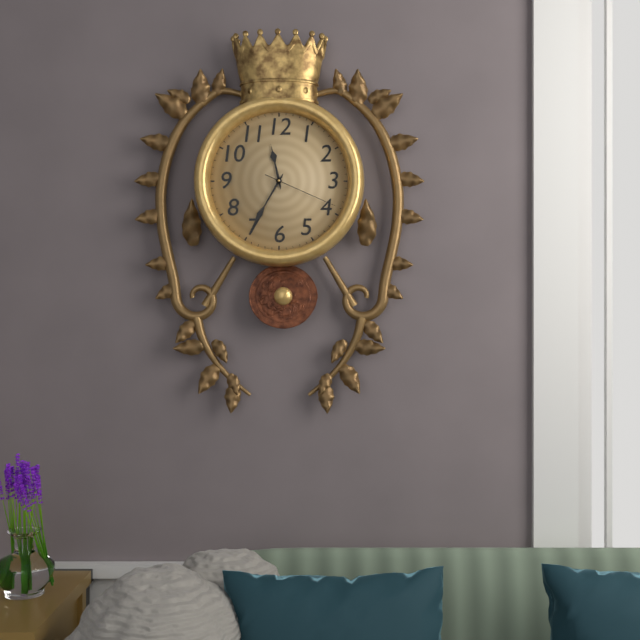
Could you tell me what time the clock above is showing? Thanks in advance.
11:35:19
